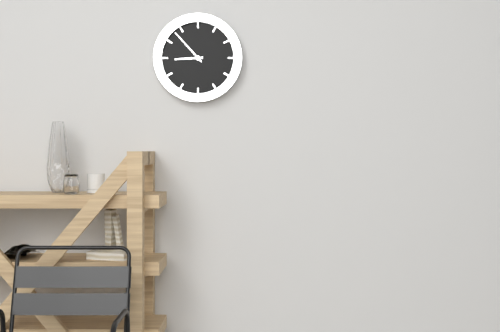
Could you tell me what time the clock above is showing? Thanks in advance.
8:53
